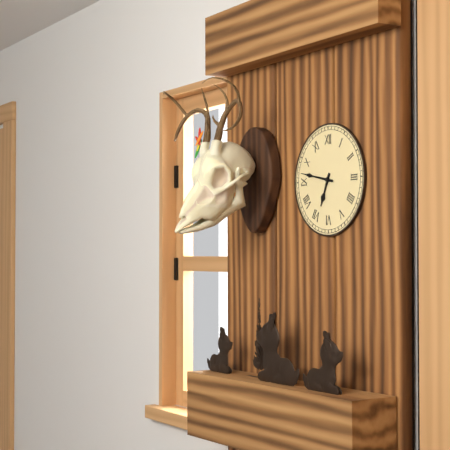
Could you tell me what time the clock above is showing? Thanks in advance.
6:47
